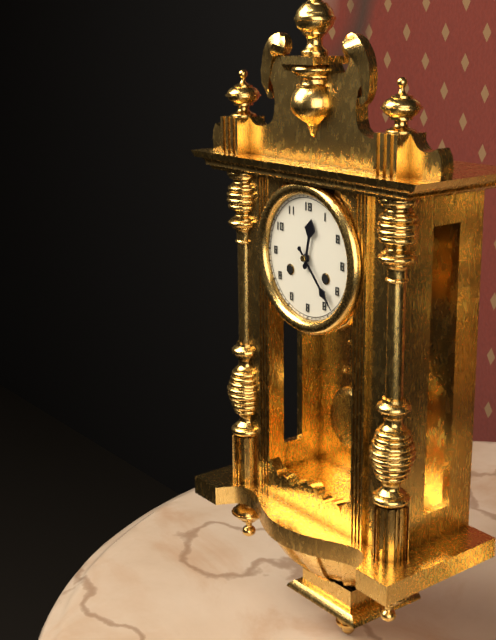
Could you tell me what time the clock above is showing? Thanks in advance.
12:23
